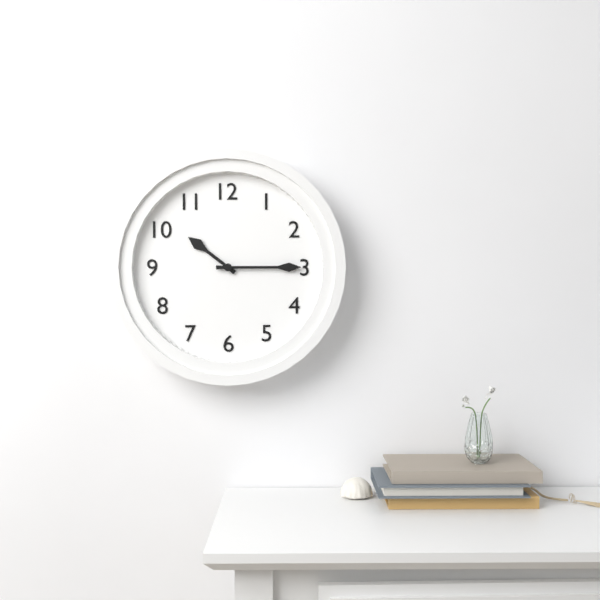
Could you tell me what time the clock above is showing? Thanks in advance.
10:15
